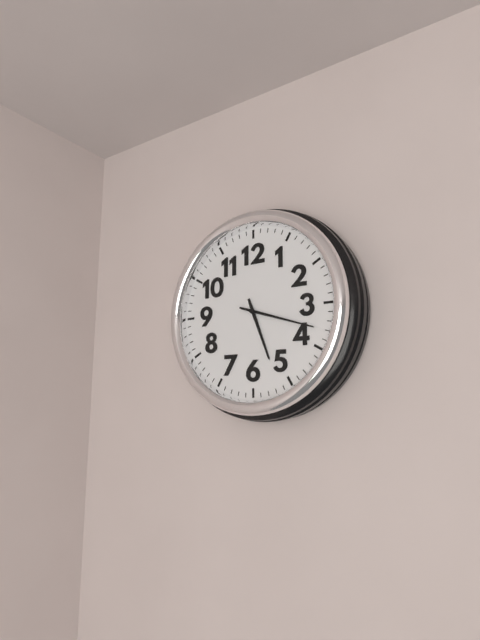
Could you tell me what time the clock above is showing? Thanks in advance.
5:18
